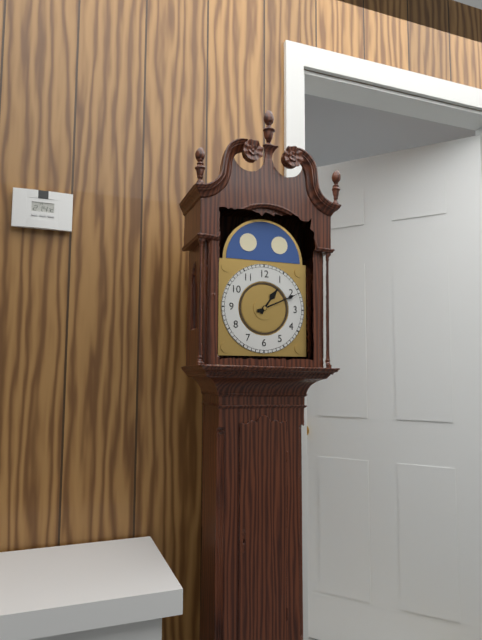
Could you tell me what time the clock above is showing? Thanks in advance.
1:11
